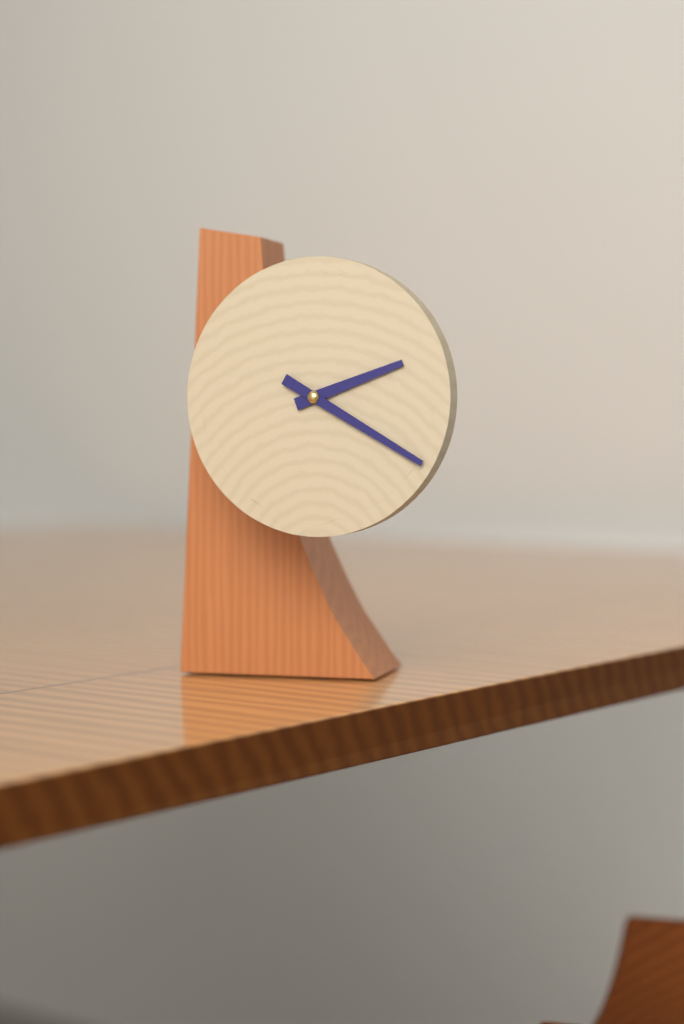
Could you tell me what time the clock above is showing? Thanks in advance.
2:20
